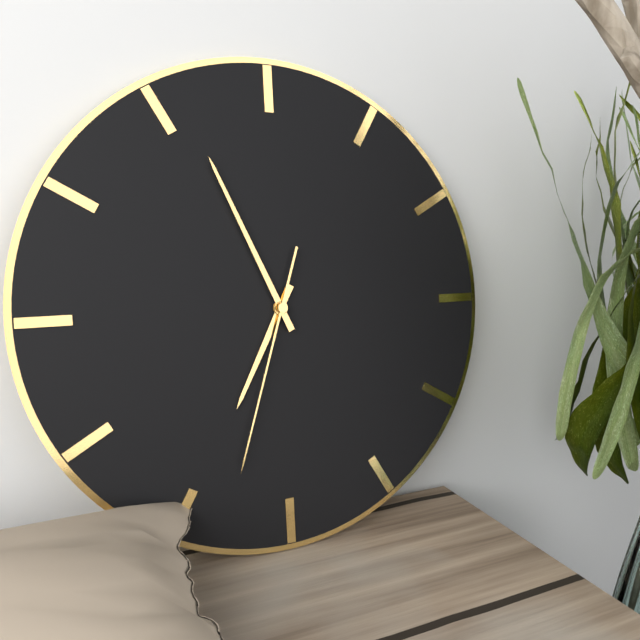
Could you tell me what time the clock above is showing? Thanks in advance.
6:56:33
